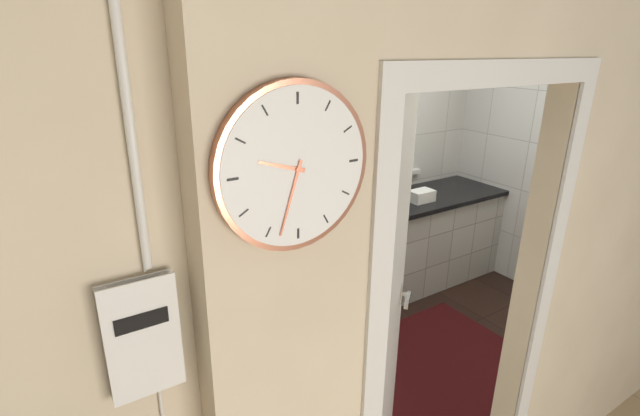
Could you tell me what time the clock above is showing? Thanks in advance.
9:33
